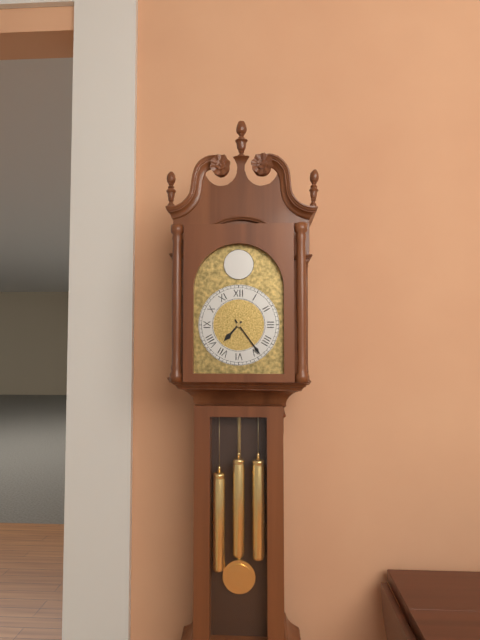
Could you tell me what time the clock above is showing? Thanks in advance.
7:24
